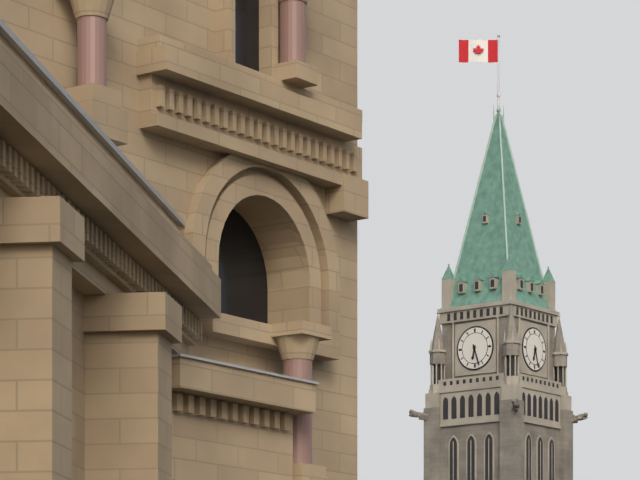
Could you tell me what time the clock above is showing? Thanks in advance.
6:27
